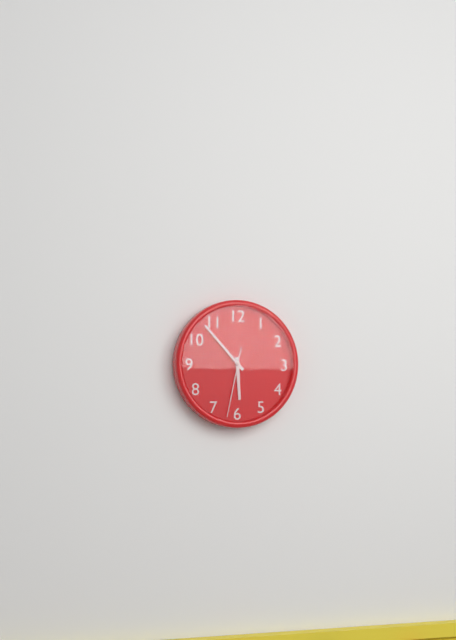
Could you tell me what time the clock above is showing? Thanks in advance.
5:53:32
